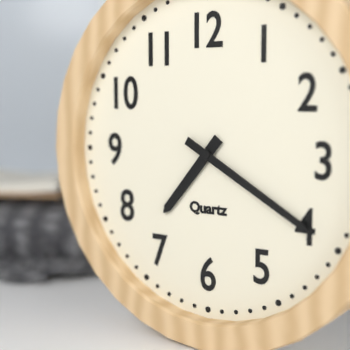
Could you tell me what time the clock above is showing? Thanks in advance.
7:20
